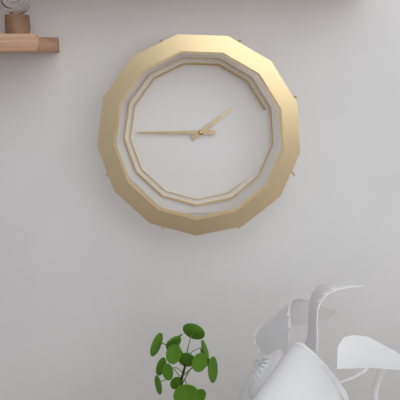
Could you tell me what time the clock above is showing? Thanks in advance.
1:45
